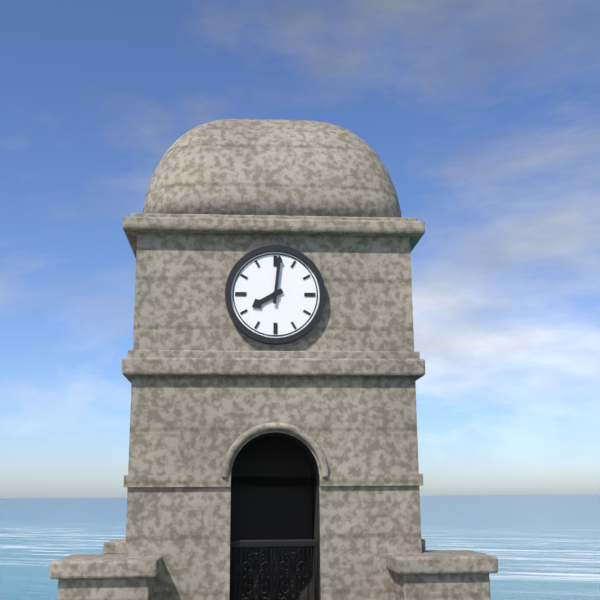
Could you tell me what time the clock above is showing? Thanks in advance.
8:01
